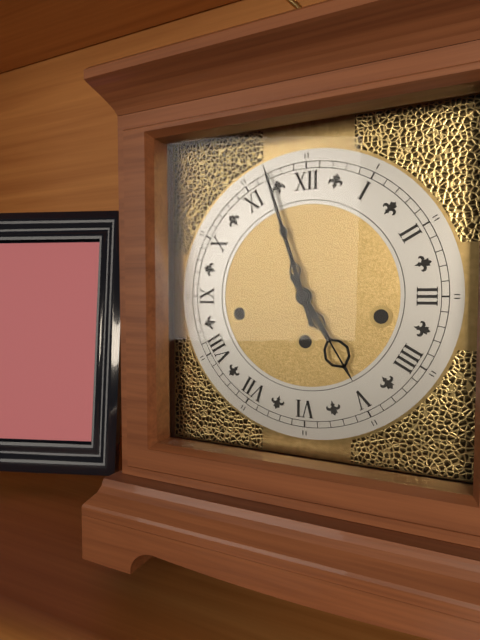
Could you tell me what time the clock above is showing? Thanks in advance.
4:57
